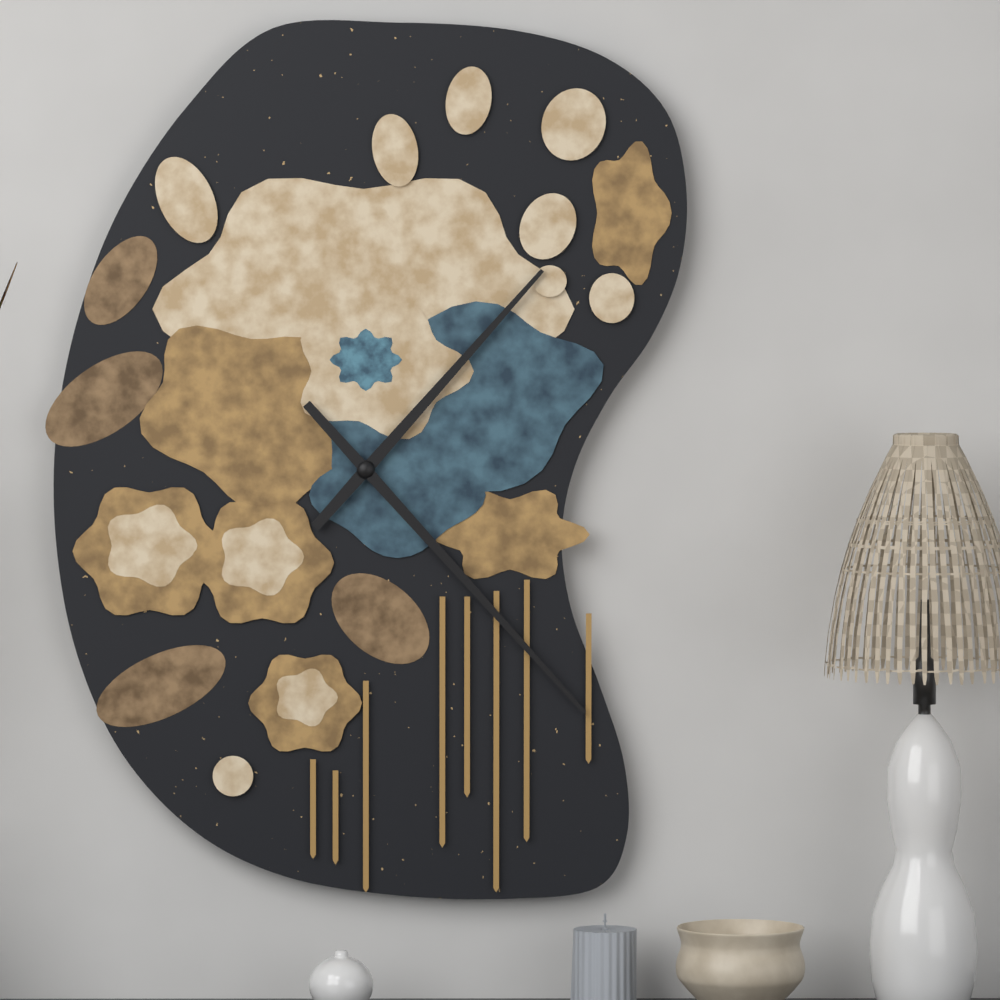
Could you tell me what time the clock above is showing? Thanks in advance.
1:23
